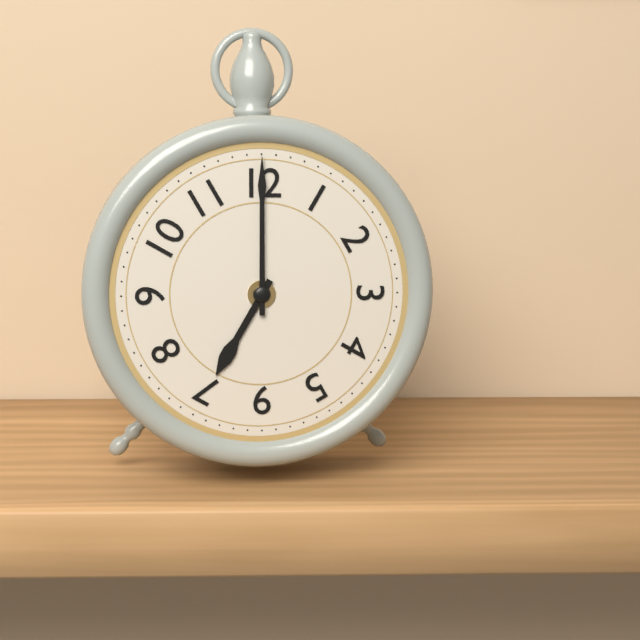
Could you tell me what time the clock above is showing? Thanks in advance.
7:00
